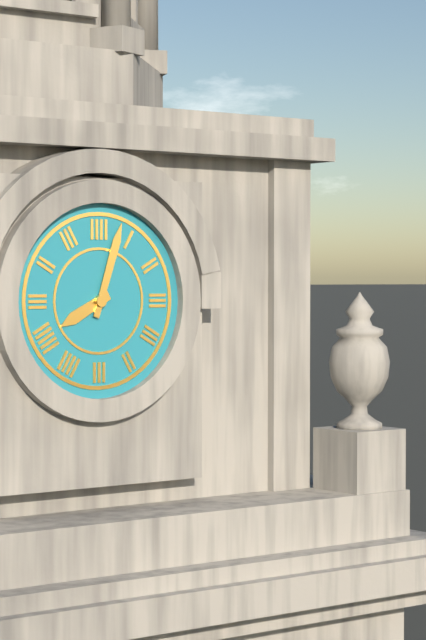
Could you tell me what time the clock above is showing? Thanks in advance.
8:03
